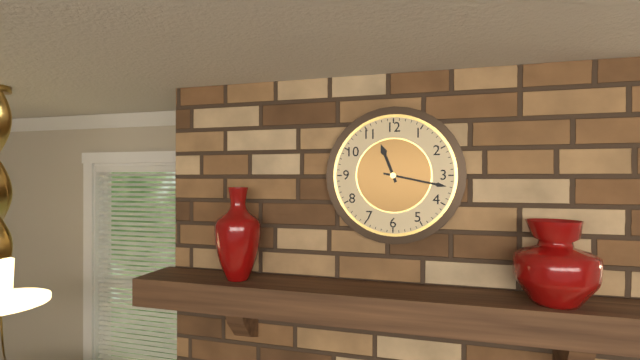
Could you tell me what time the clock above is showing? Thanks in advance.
11:17
